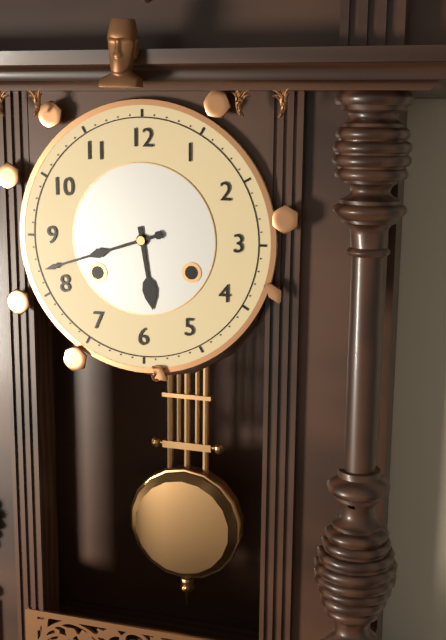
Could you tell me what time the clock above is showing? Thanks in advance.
5:42
